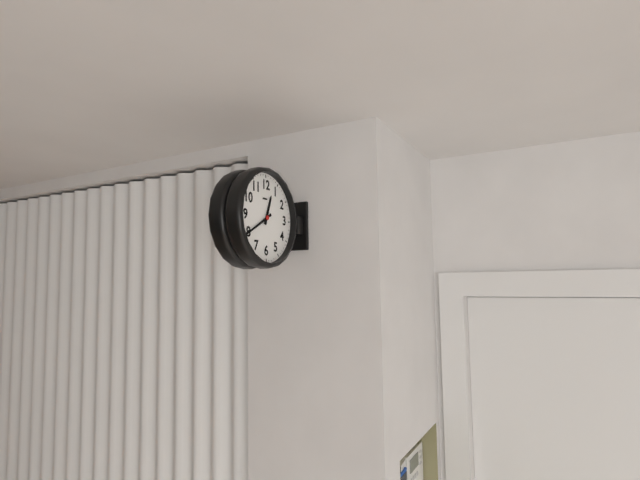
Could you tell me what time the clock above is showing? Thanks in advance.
12:40
